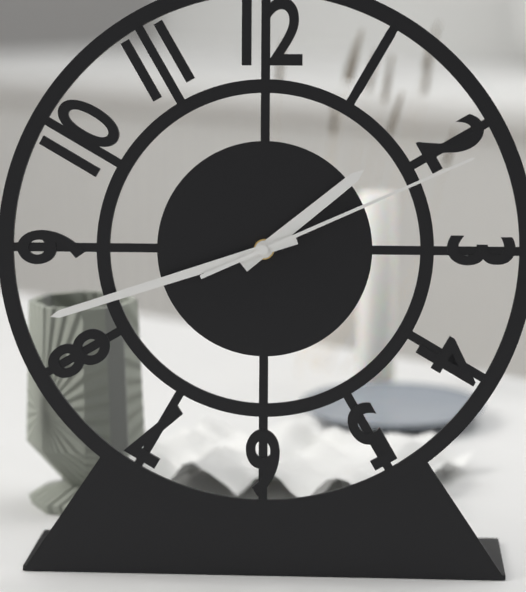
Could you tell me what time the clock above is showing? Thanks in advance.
1:42:11
